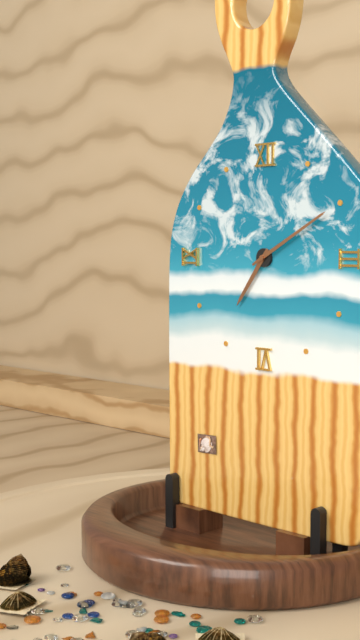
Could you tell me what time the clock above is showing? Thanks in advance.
7:10
